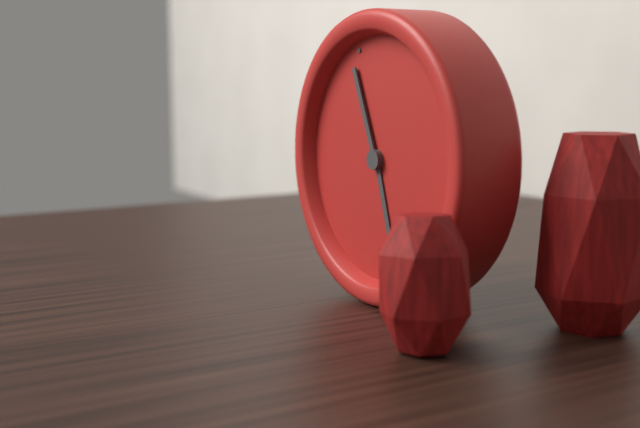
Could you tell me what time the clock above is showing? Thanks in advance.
5:59
